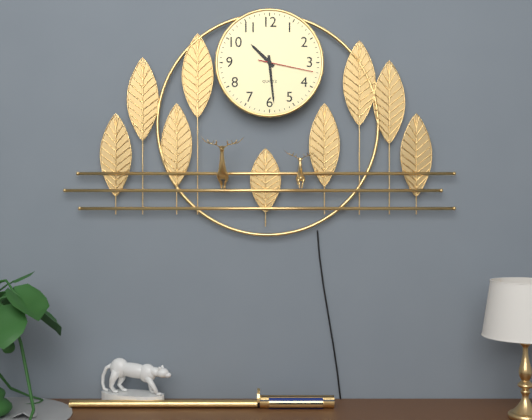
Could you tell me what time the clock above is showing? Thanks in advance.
10:29:17
